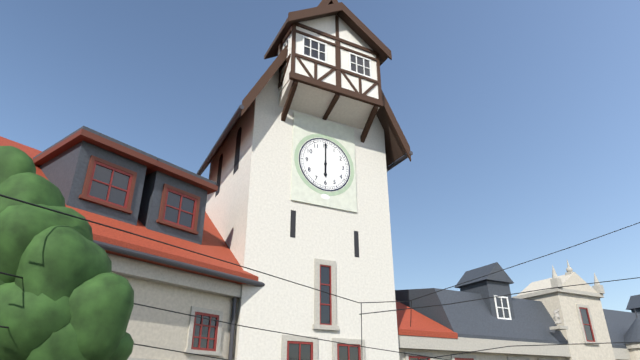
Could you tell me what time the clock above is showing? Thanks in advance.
6:00
